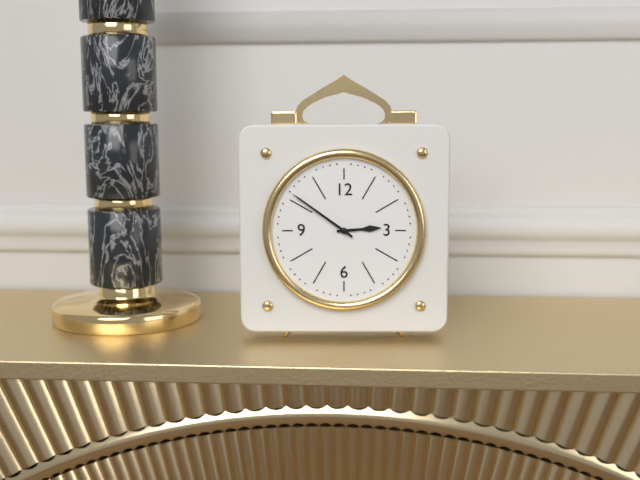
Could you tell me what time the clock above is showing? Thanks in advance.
2:51
